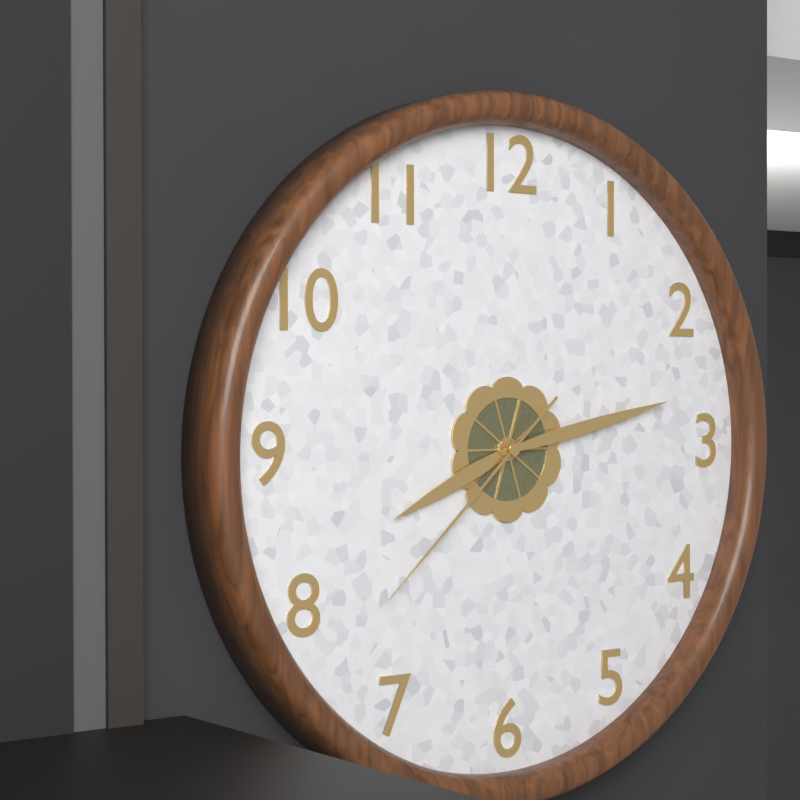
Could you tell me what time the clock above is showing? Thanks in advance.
8:13:38
